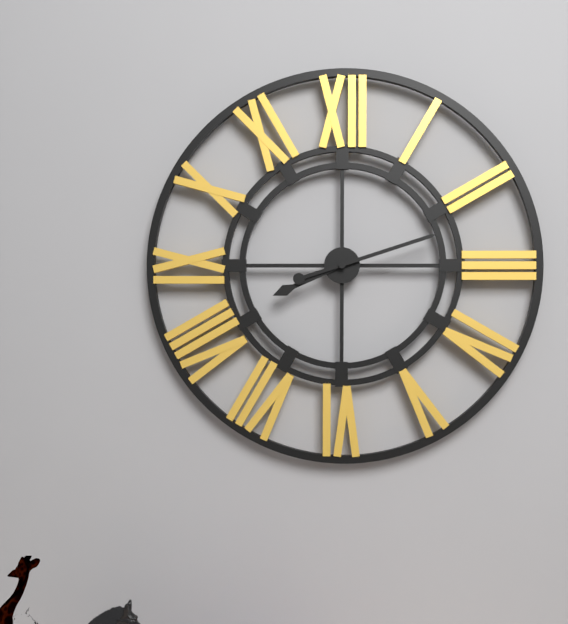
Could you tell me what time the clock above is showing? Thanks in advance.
8:12
